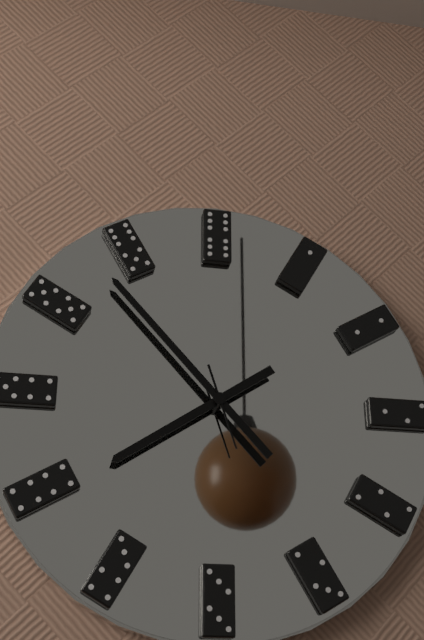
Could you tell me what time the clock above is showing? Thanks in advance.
7:53:27
